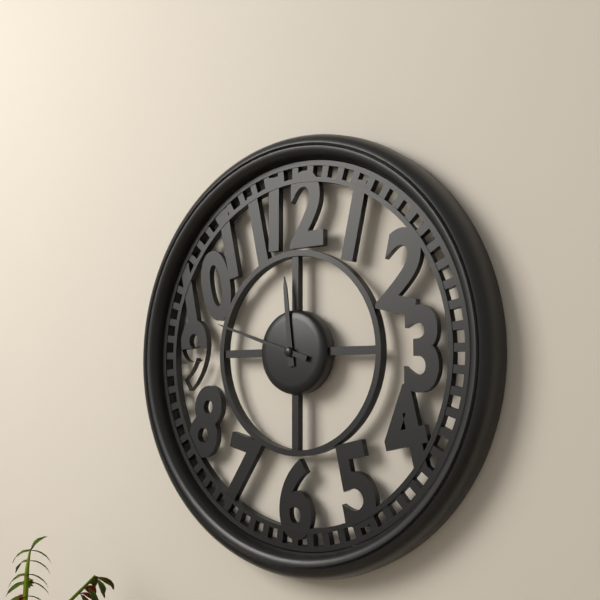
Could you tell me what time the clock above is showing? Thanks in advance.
11:48
